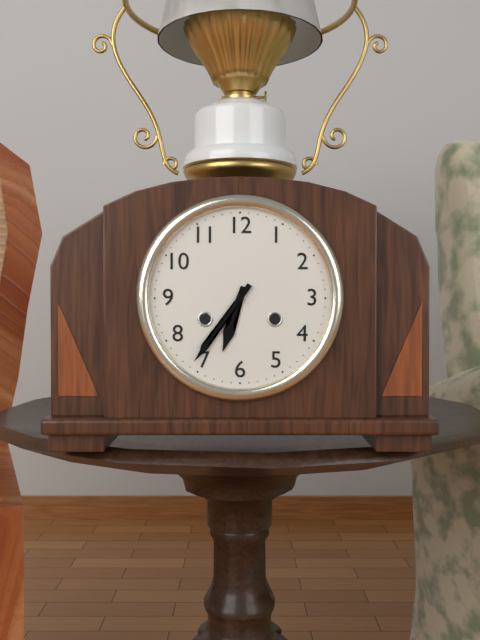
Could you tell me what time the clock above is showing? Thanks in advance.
6:36
